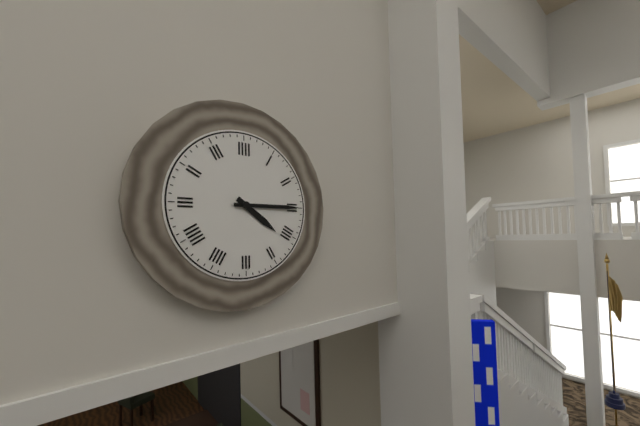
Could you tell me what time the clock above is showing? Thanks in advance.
4:15
